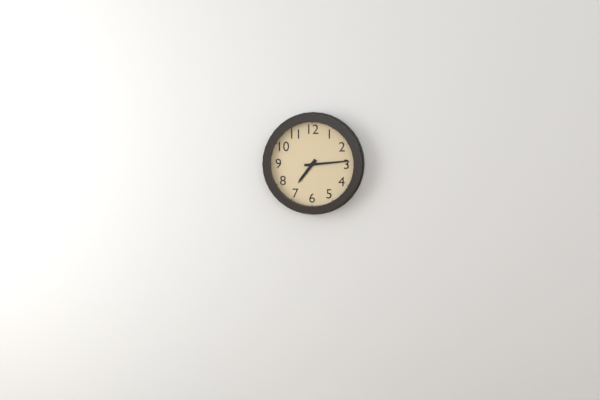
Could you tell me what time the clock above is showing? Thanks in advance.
7:14
